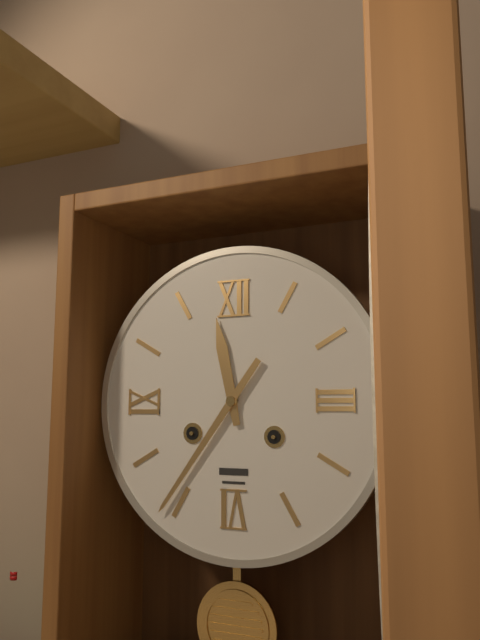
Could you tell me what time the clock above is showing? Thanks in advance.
11:36
